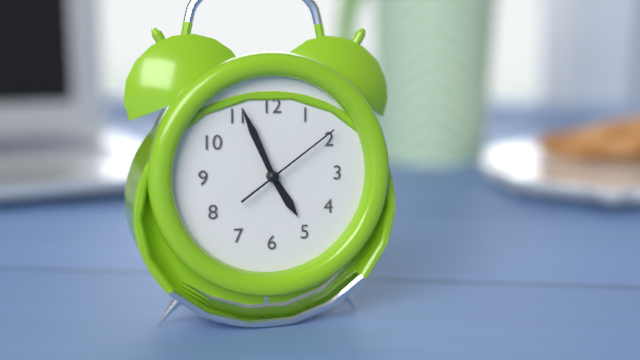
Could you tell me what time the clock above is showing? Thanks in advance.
4:56:09
